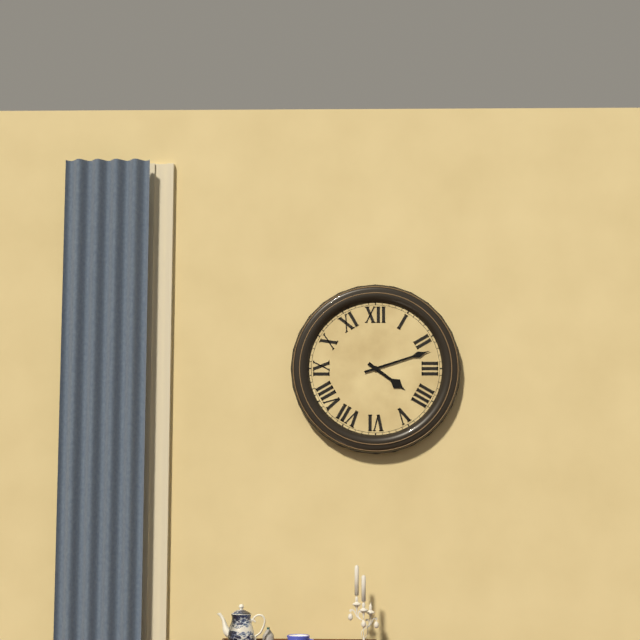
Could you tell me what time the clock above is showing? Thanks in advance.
4:12
